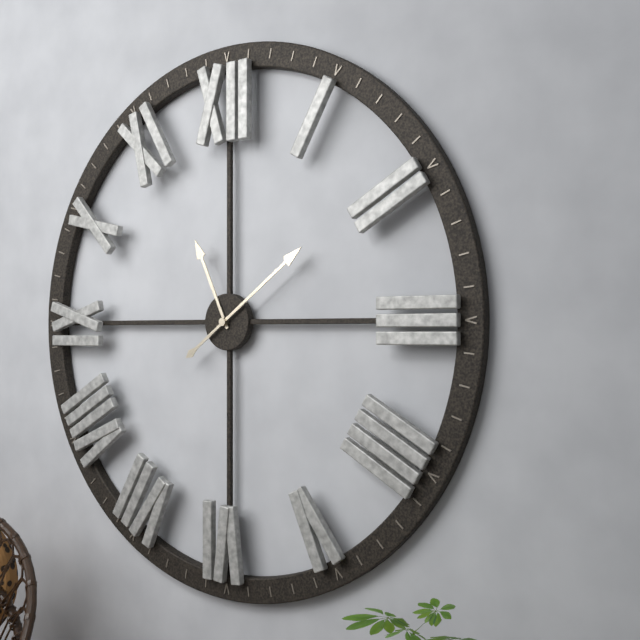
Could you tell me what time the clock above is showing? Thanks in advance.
11:09
